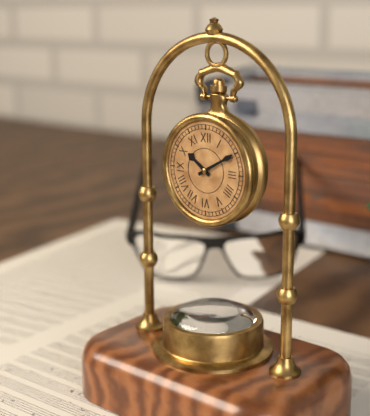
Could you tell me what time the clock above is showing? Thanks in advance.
10:10
